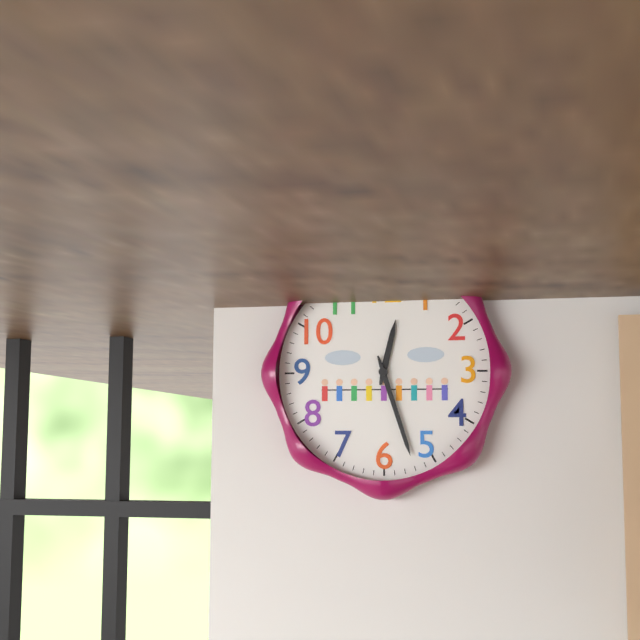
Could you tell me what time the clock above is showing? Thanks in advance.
12:27
